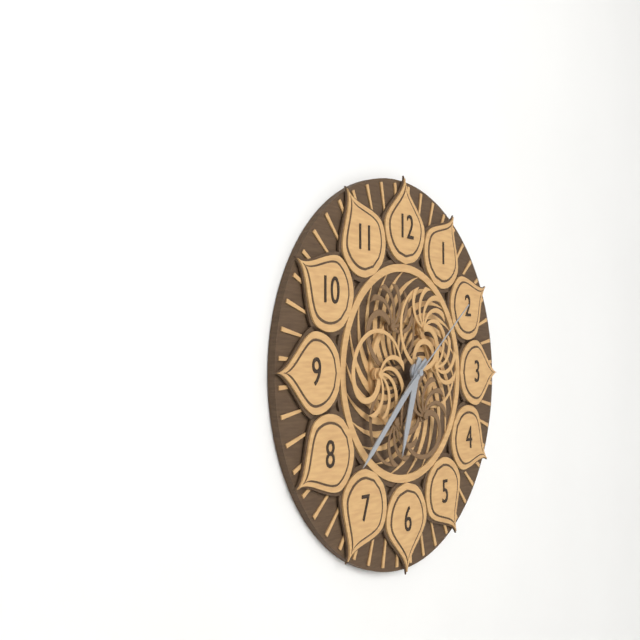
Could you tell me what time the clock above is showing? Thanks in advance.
6:38:09
